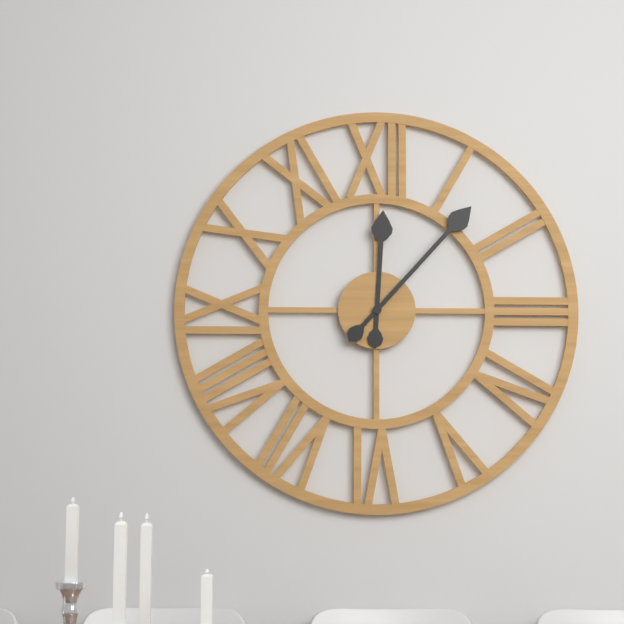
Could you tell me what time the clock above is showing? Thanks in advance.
12:07
